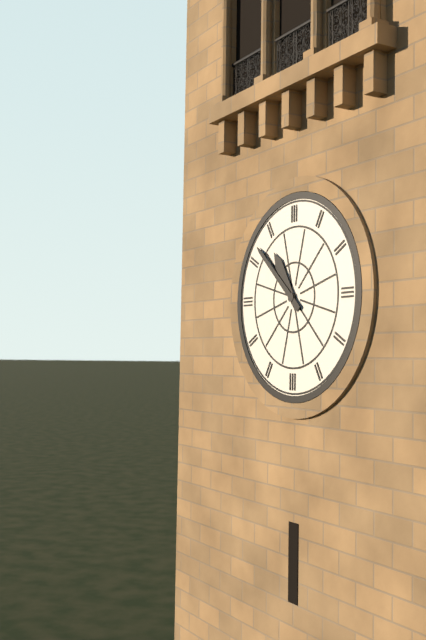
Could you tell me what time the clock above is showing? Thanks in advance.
10:52
